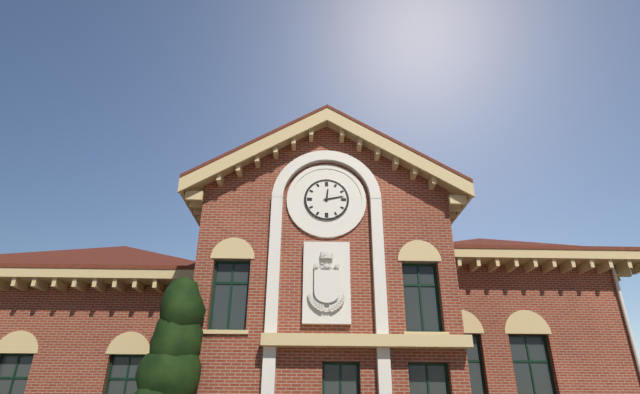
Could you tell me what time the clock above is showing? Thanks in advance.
12:13
